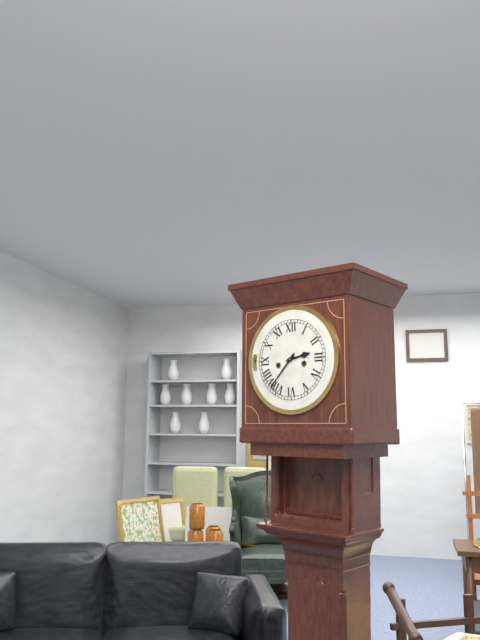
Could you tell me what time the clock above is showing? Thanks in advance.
2:37
